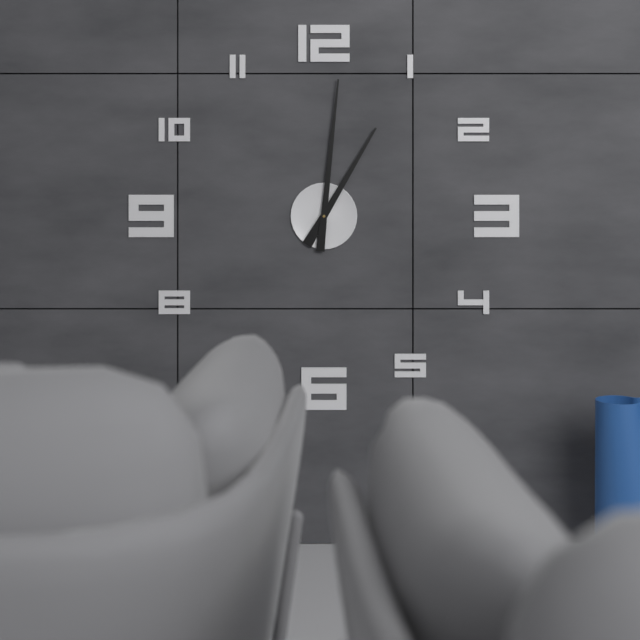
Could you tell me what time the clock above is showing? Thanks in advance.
1:01
